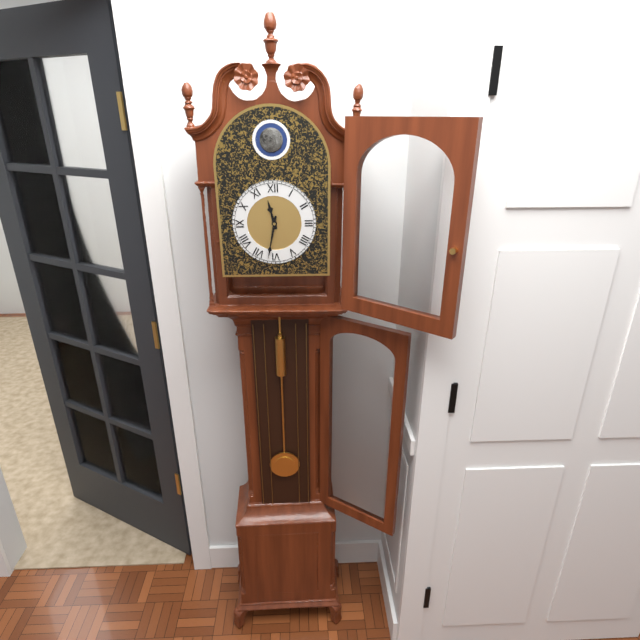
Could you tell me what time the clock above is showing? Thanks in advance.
11:32
